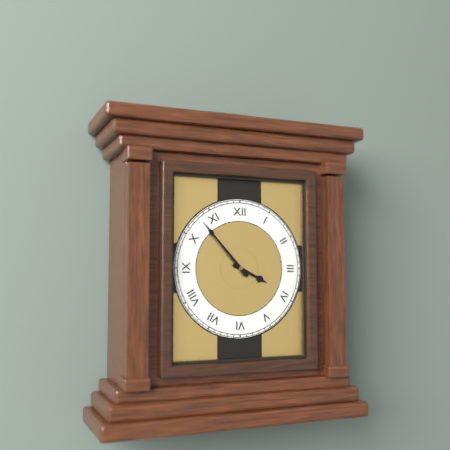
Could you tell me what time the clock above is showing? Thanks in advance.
3:53
